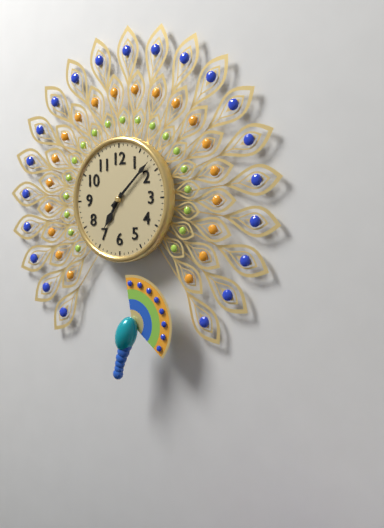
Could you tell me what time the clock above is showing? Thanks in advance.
7:08
